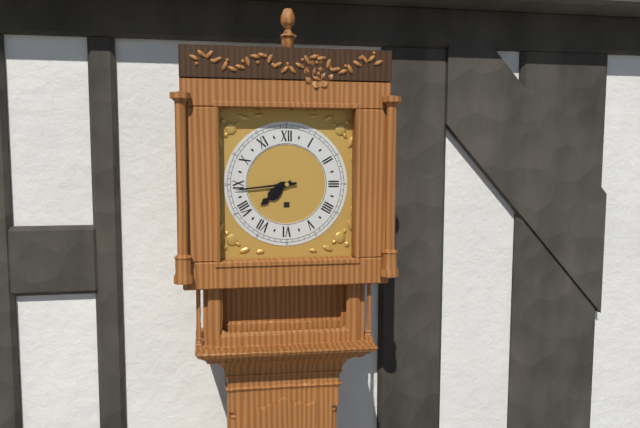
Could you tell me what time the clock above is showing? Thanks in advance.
7:44
